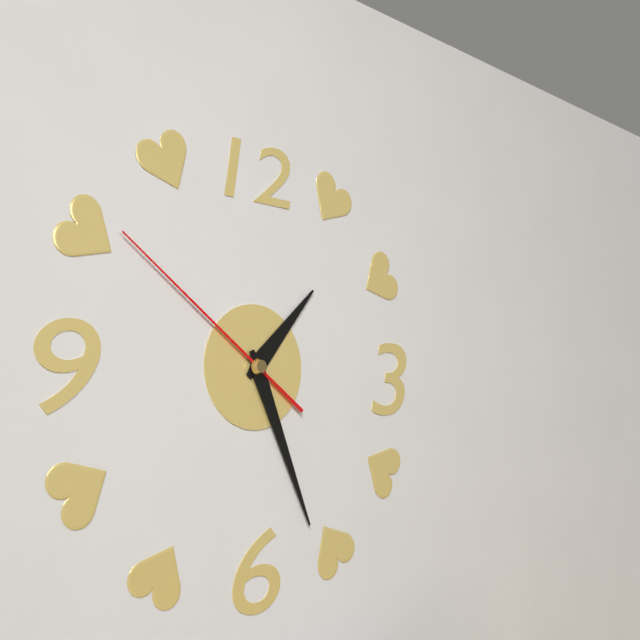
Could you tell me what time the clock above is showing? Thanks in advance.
1:26:51
